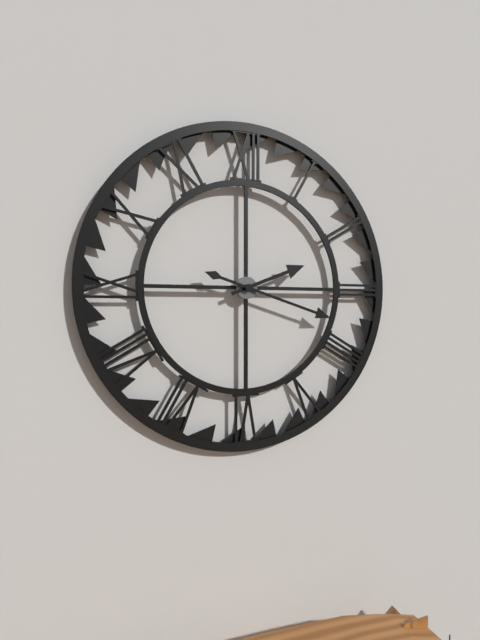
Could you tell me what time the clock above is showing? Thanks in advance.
2:18
